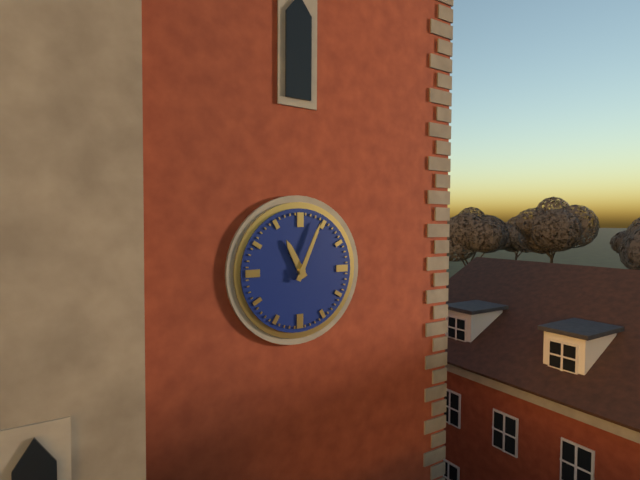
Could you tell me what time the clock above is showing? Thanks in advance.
11:04
